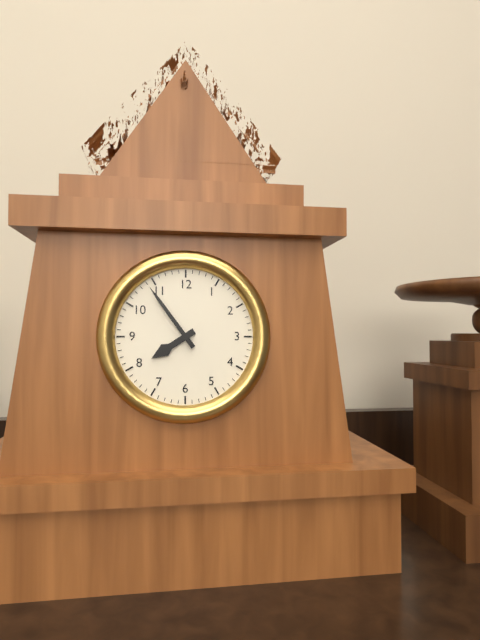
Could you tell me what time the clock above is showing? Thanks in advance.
7:54
